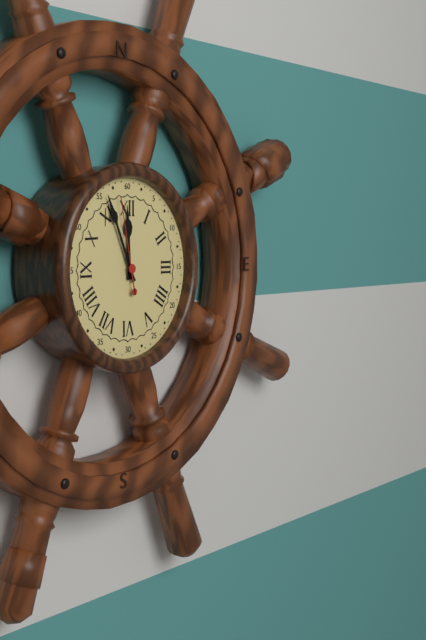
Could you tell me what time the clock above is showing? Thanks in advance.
11:56:58
